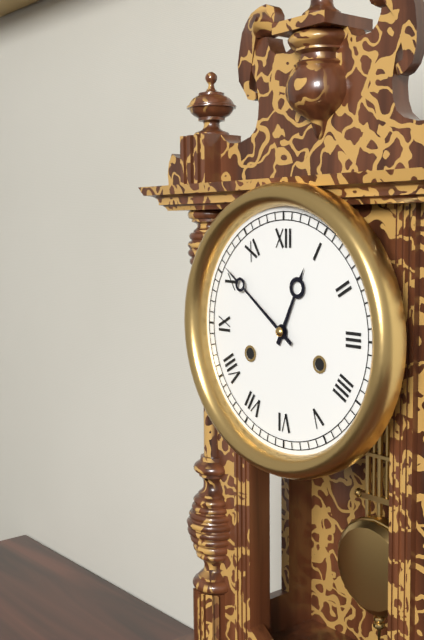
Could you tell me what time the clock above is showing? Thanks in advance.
12:51
